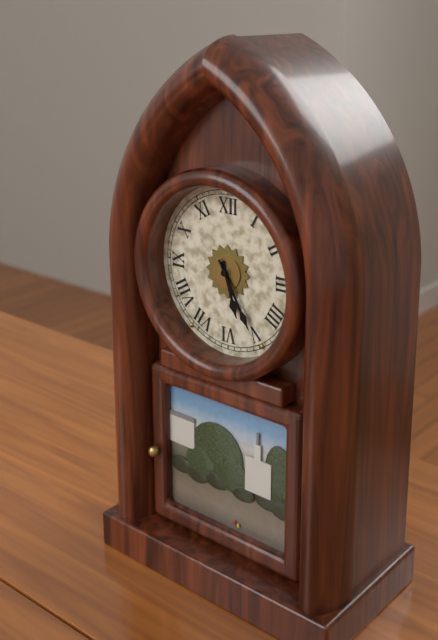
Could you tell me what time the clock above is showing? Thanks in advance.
5:25
